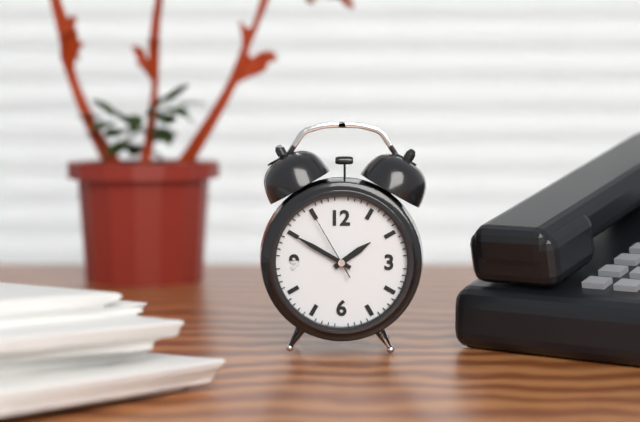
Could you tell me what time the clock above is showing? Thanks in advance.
1:50:55
